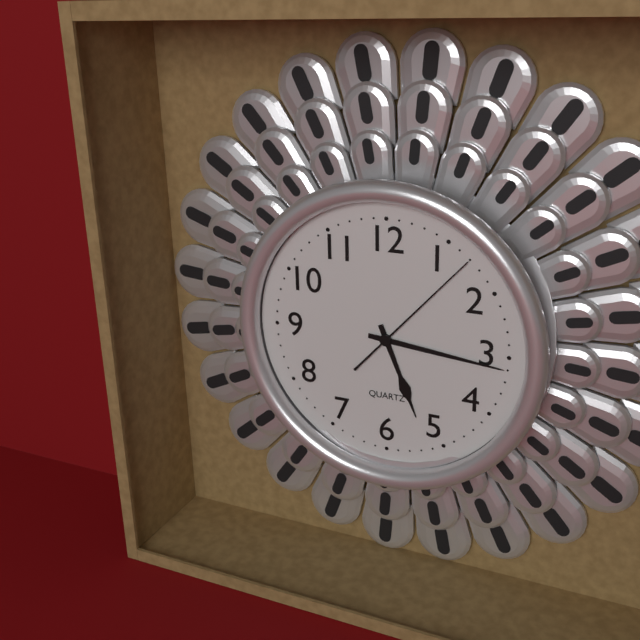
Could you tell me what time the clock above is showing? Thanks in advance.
5:16:07
